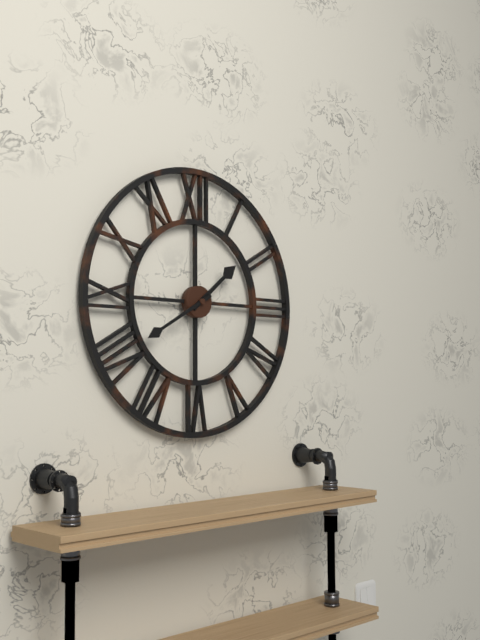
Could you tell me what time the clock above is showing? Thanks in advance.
1:40
